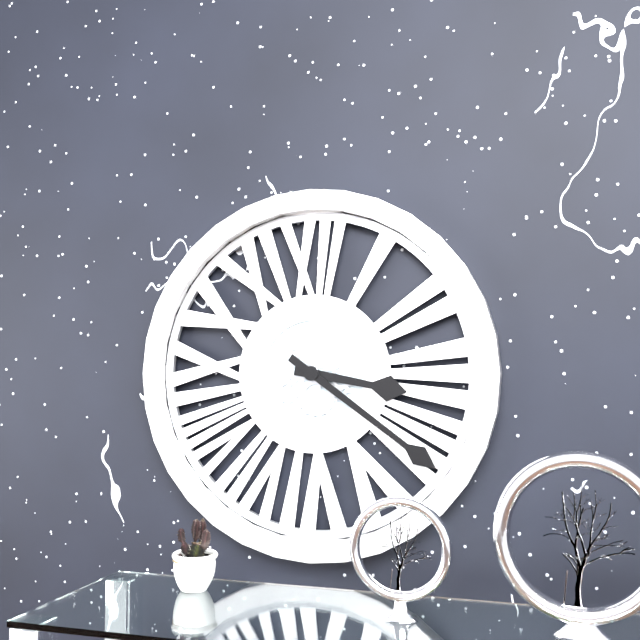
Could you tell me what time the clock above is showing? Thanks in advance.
3:21
